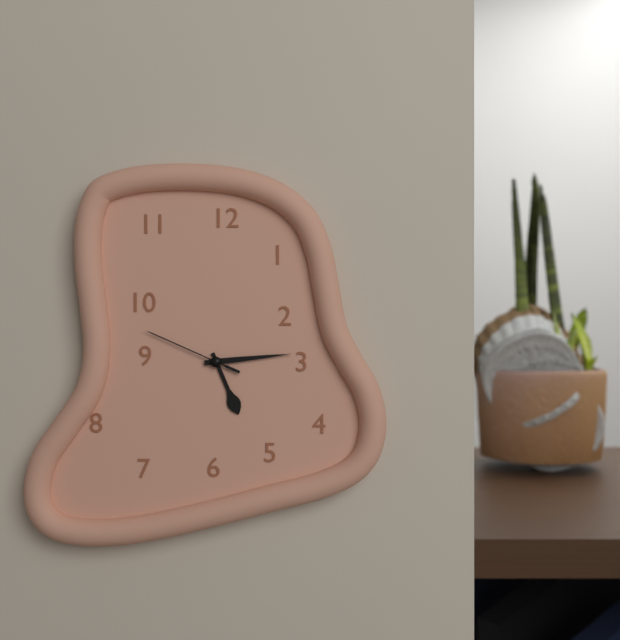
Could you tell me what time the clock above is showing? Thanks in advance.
5:14:49
